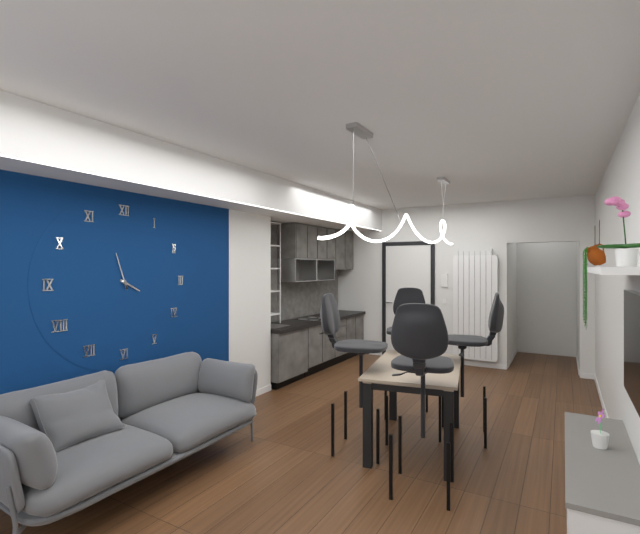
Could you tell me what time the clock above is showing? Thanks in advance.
3:57
